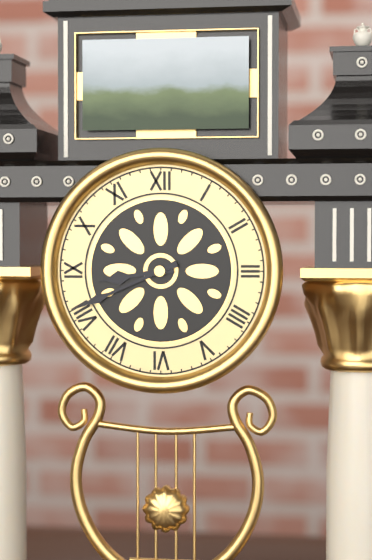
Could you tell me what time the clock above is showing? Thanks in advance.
8:41
